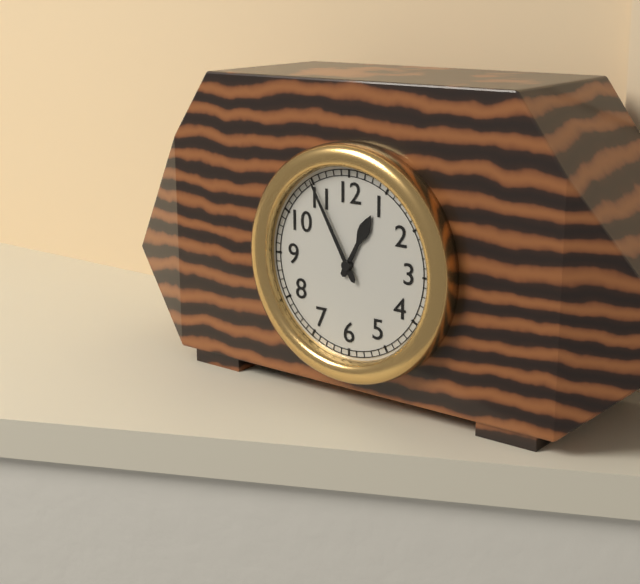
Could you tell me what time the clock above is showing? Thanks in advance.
12:55
